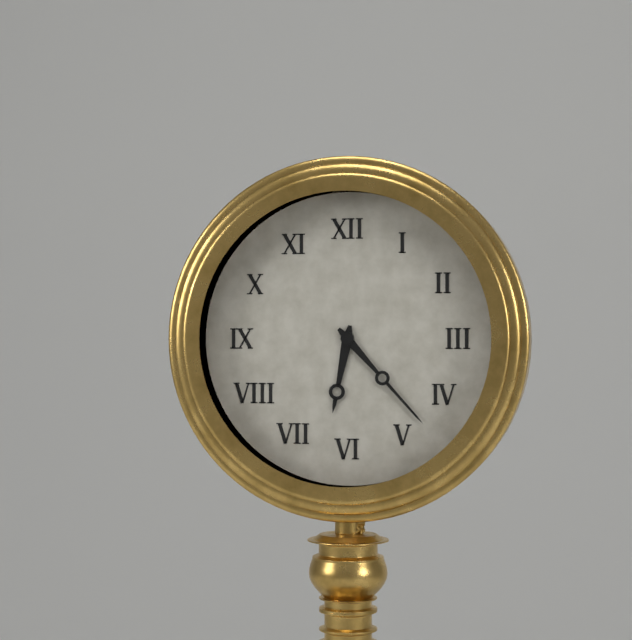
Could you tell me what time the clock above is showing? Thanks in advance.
6:23
